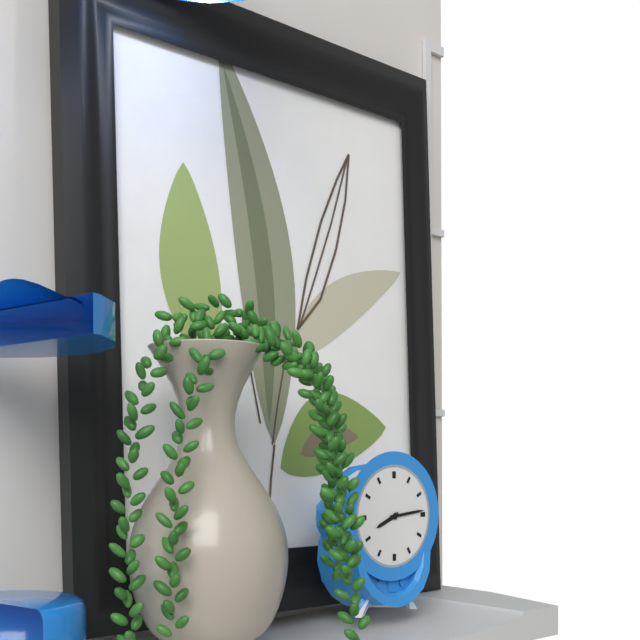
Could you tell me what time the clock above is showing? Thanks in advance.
8:14
